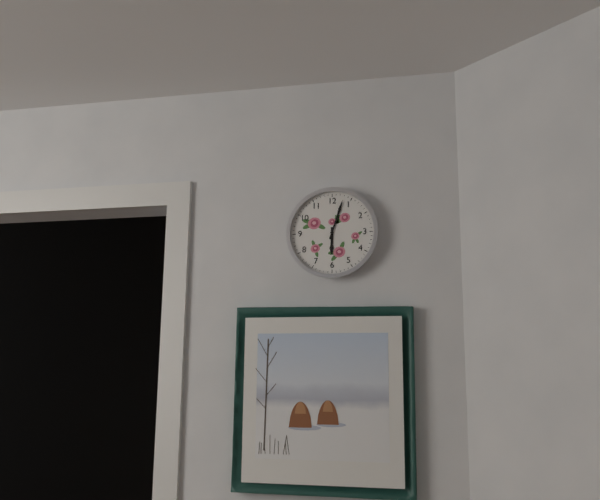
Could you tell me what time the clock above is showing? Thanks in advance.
6:03
